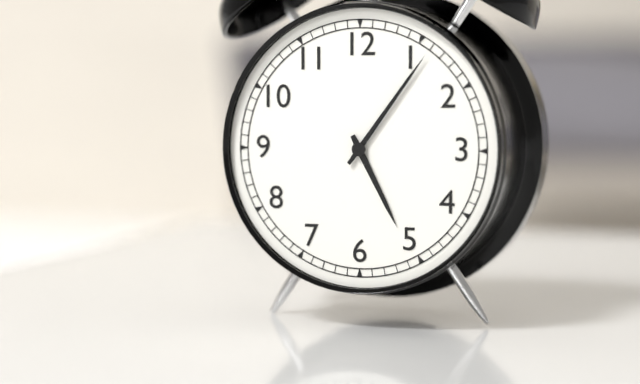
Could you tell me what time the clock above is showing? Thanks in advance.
5:06
